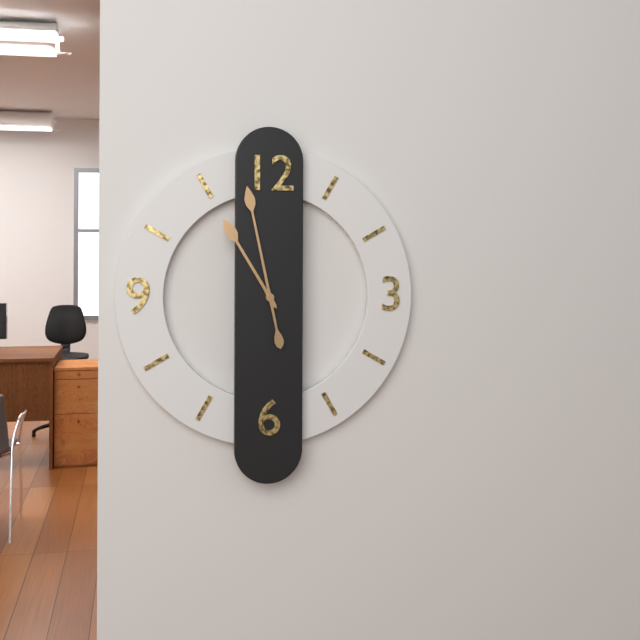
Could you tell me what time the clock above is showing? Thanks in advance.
10:58
